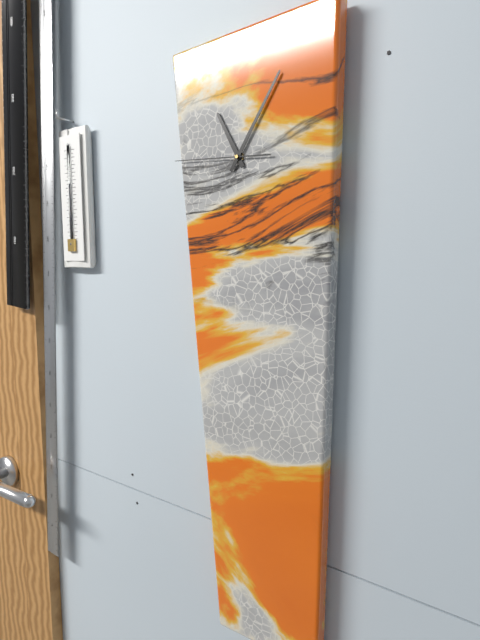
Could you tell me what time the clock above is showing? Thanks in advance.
11:06:46
